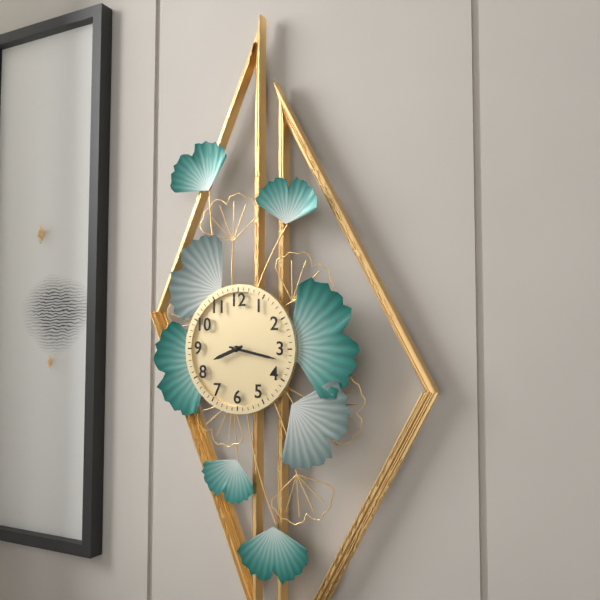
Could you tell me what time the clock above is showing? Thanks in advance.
8:17
